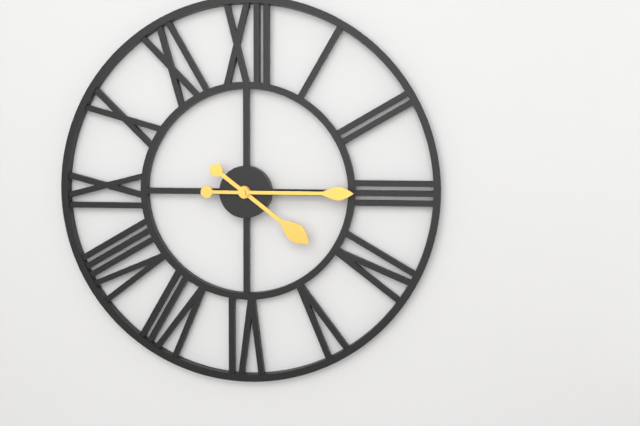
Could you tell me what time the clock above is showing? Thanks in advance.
4:15
